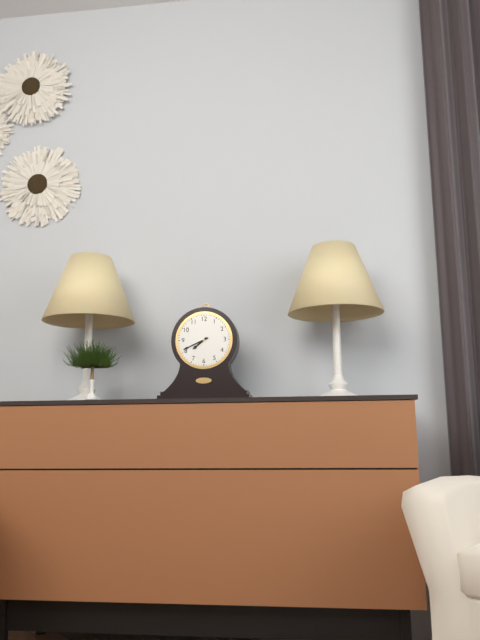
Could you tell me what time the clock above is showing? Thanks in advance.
7:41
